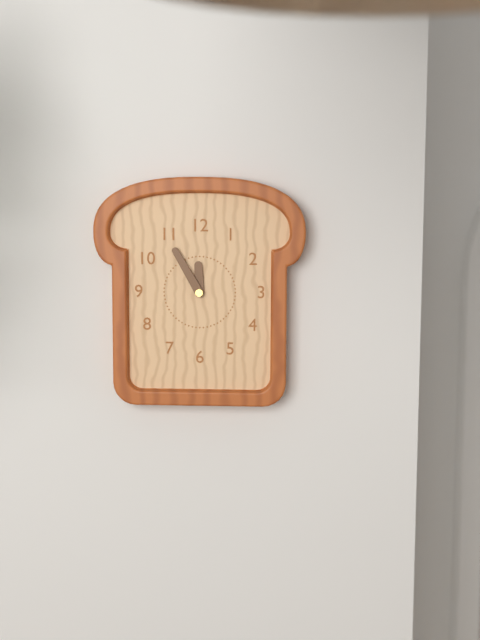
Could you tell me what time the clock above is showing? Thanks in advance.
11:55
